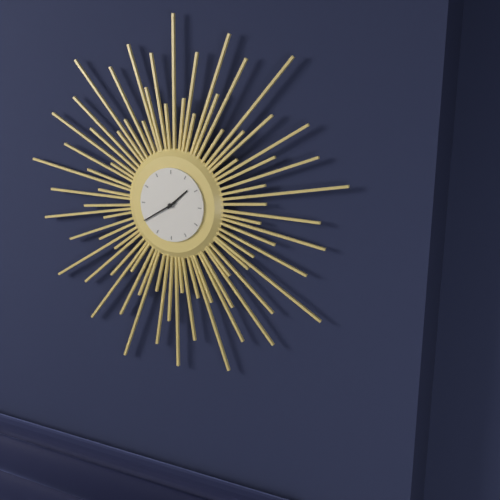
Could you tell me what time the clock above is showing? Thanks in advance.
1:40
